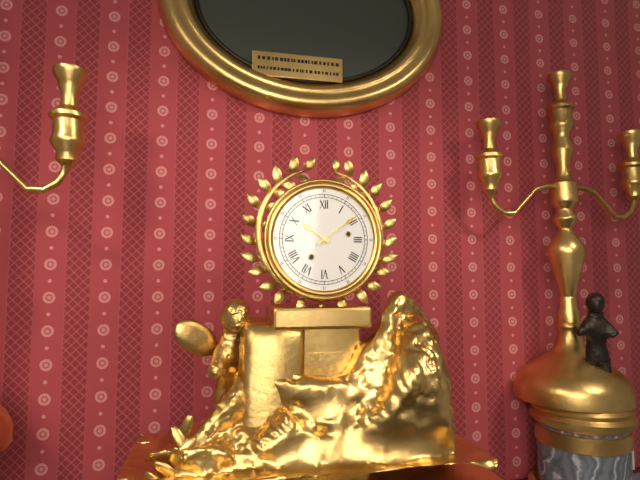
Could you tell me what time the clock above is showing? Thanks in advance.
10:09
